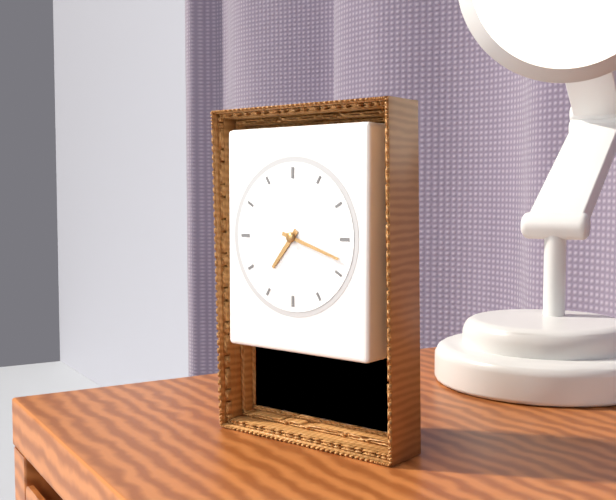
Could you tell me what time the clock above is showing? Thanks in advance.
7:18
